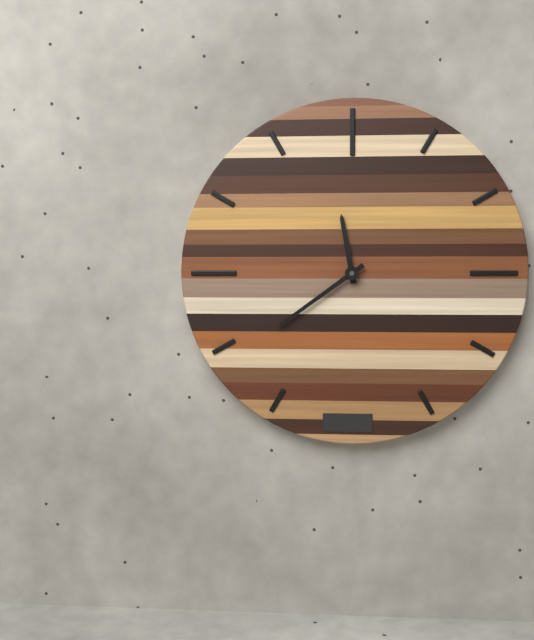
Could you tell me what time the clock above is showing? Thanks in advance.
11:39
